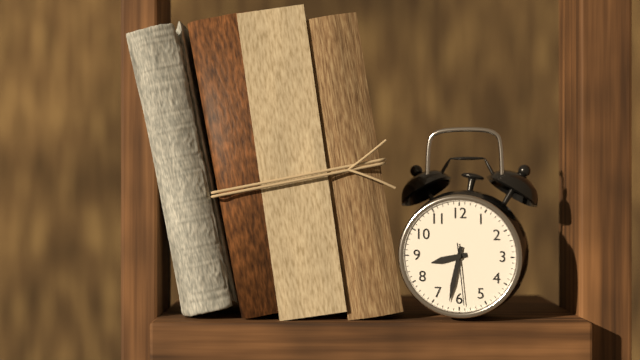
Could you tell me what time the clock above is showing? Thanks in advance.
8:32:29
